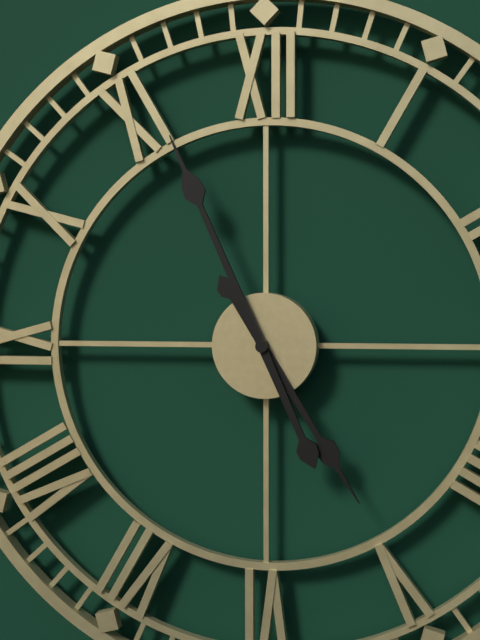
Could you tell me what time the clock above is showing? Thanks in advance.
4:56
